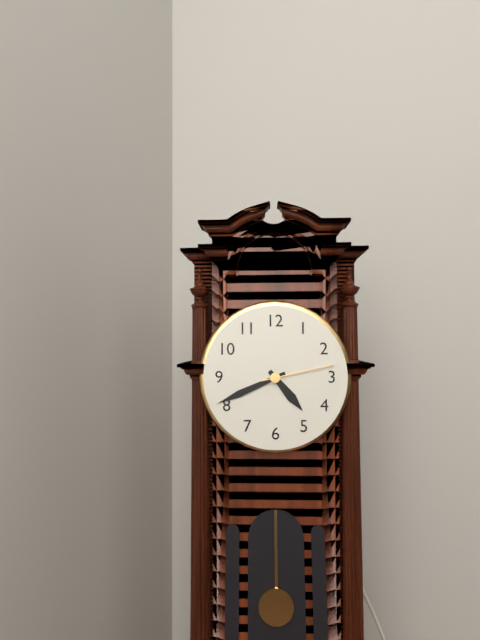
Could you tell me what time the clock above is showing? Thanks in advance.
4:41:13
